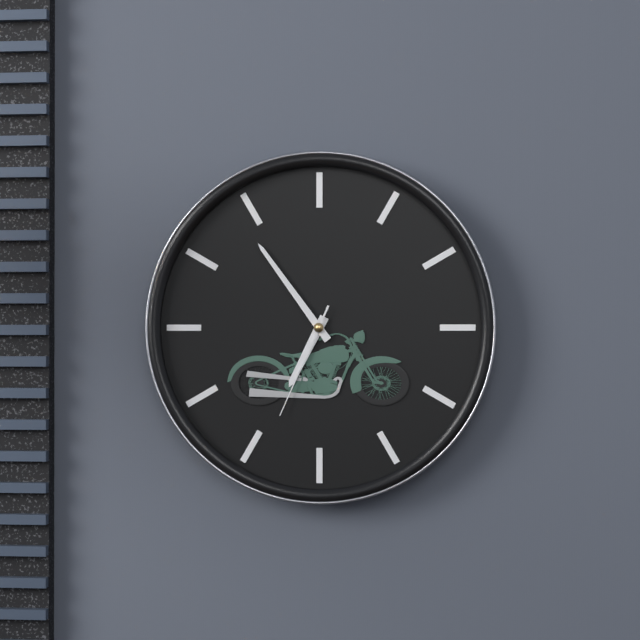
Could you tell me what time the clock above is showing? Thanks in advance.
6:54:34
